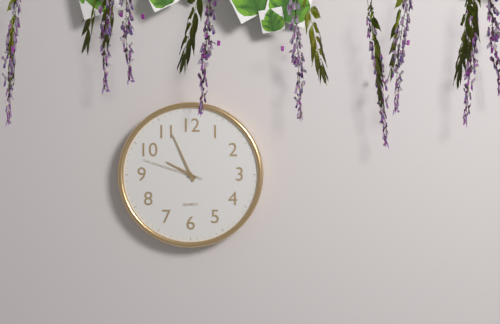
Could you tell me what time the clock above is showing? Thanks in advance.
9:56:48
